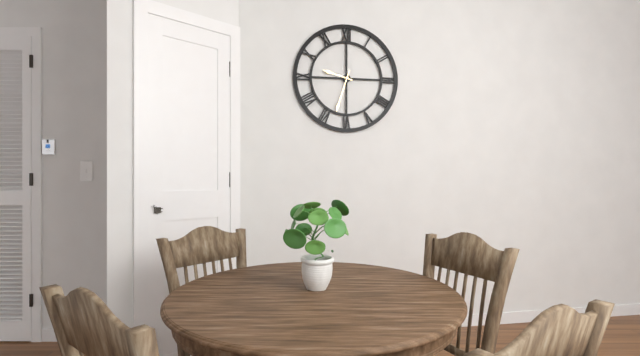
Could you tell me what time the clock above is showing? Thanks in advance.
9:33
